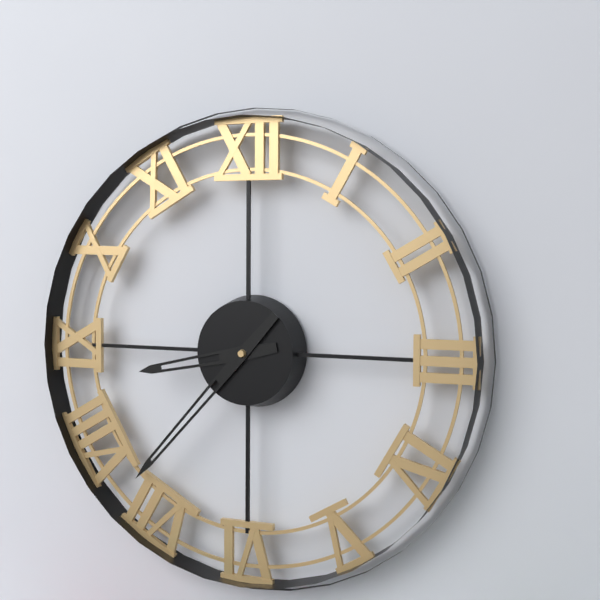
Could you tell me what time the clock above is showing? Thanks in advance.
8:37
